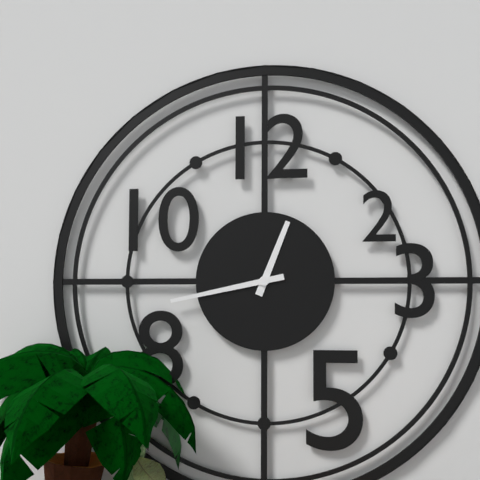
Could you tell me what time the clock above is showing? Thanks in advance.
12:43
